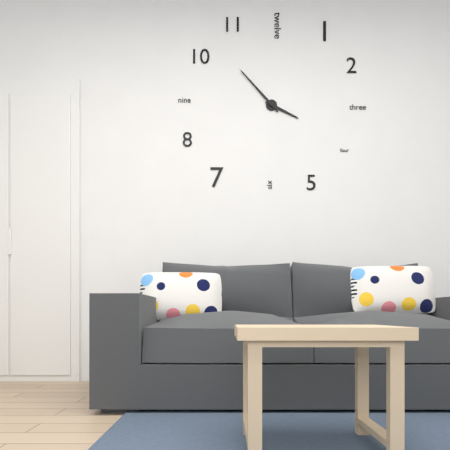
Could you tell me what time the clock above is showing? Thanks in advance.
3:53
